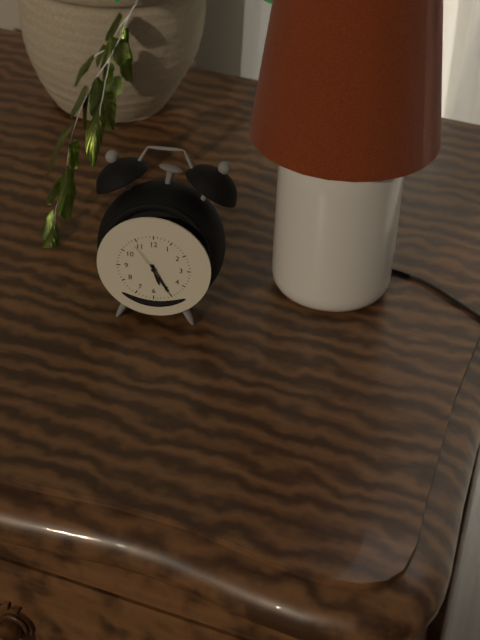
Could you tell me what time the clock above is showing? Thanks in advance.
5:25
